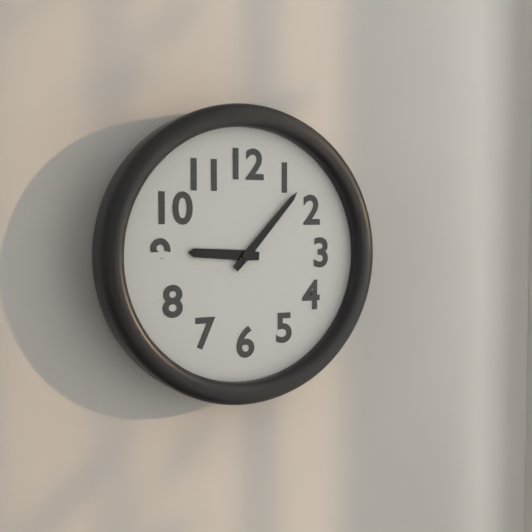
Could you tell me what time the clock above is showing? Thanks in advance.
9:07
